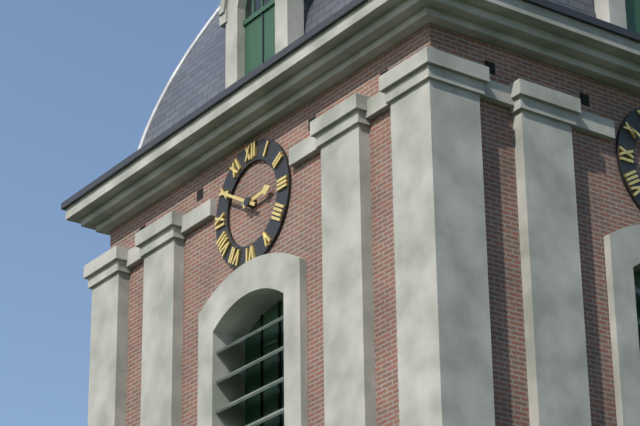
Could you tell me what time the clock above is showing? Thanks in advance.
2:50
